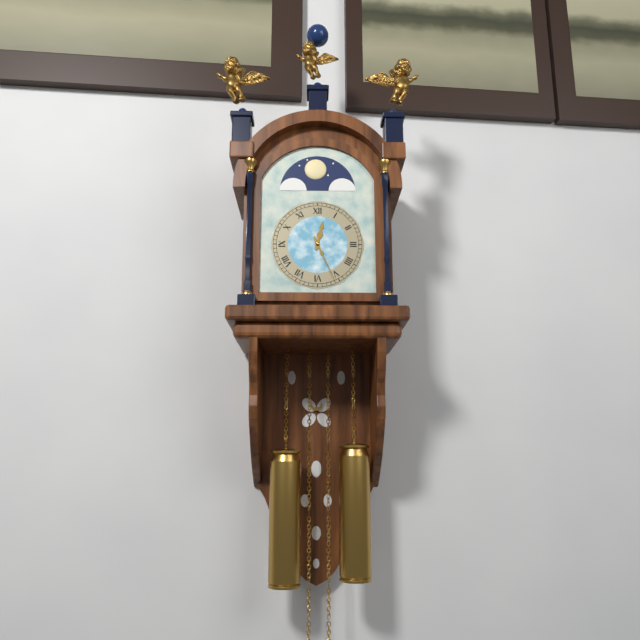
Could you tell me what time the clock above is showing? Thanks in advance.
12:26
